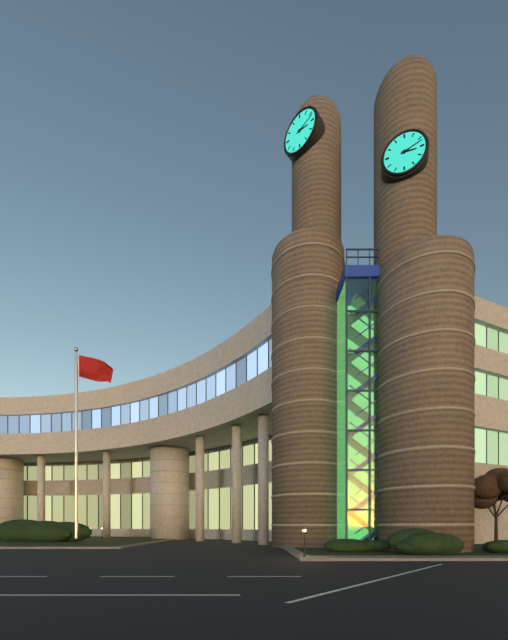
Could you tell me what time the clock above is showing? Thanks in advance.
3:12
